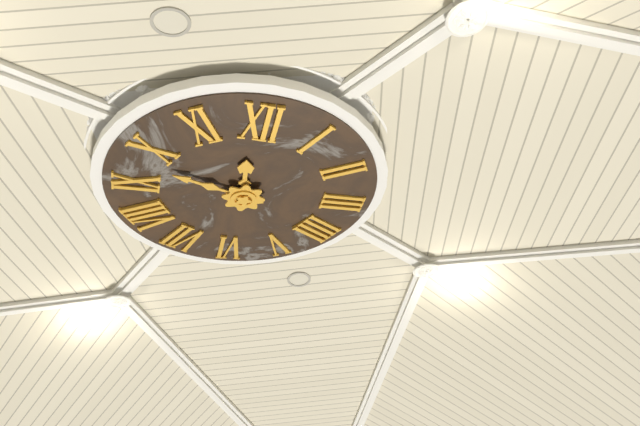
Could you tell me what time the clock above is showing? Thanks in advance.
11:48
